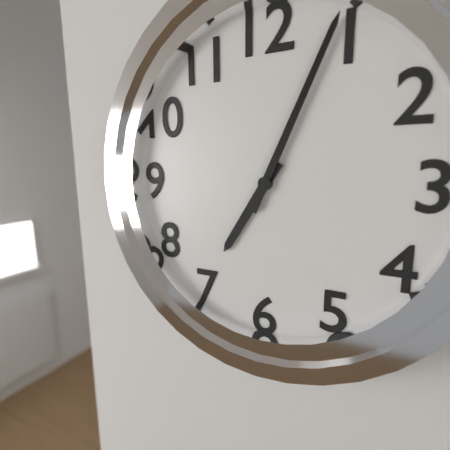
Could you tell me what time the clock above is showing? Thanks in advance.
7:04
